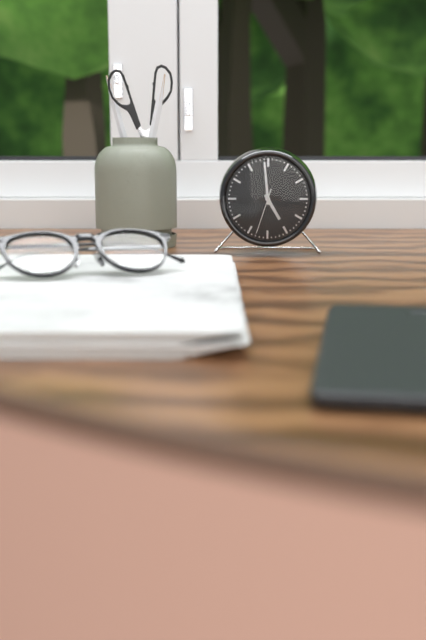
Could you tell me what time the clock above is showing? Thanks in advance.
4:59
